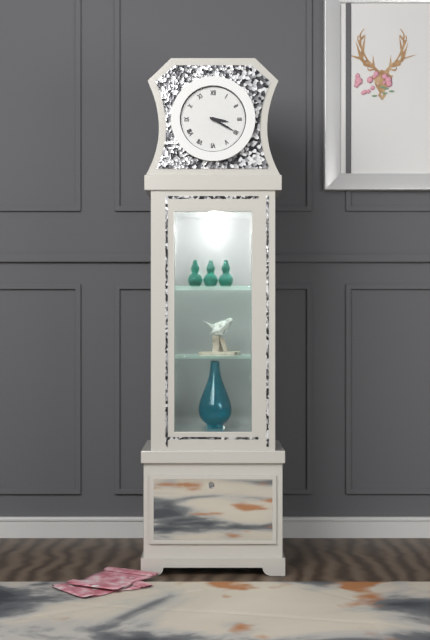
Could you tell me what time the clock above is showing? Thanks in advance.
3:20
